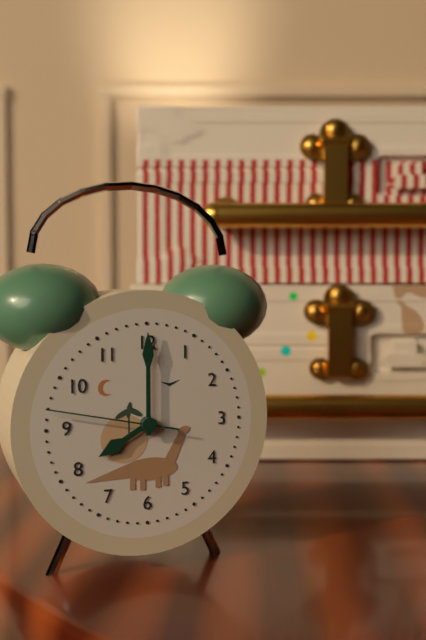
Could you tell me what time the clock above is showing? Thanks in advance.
8:00:47
